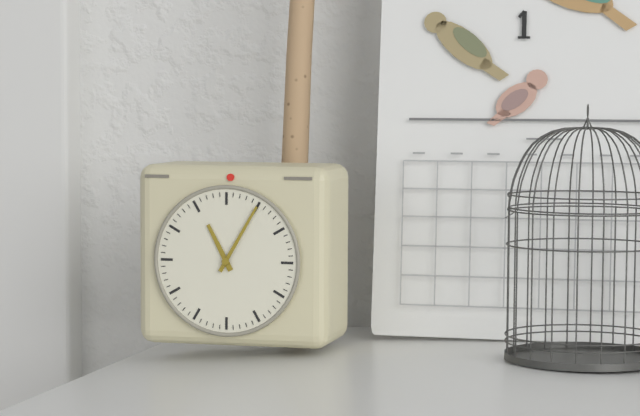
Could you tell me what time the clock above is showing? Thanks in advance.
11:05
